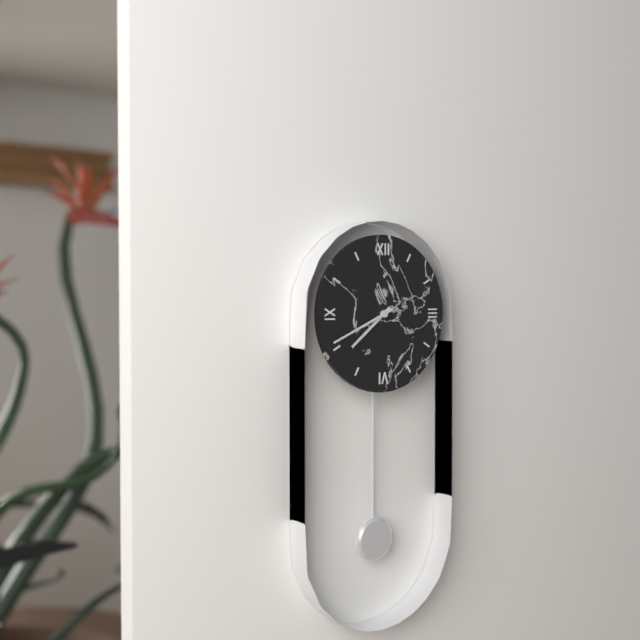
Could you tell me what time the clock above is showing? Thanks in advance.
7:41
